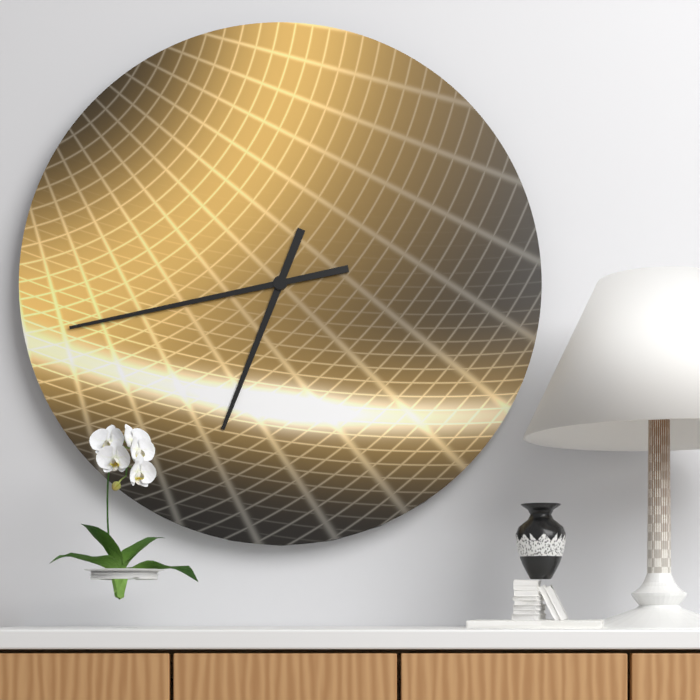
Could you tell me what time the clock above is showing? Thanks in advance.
6:43
